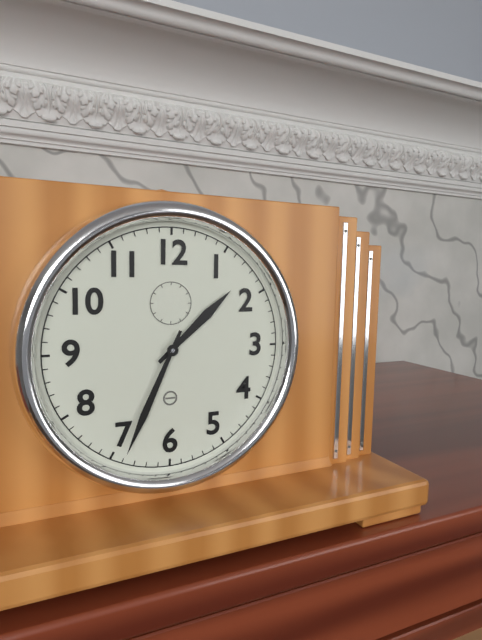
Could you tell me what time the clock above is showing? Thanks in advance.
1:34
